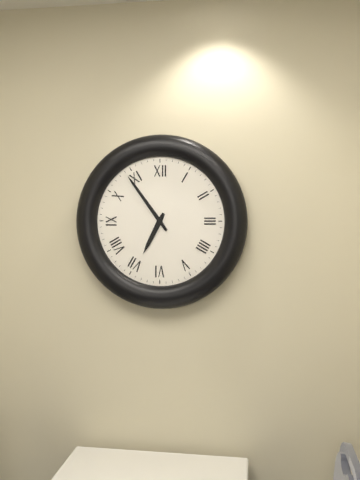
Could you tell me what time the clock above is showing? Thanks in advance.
6:54
